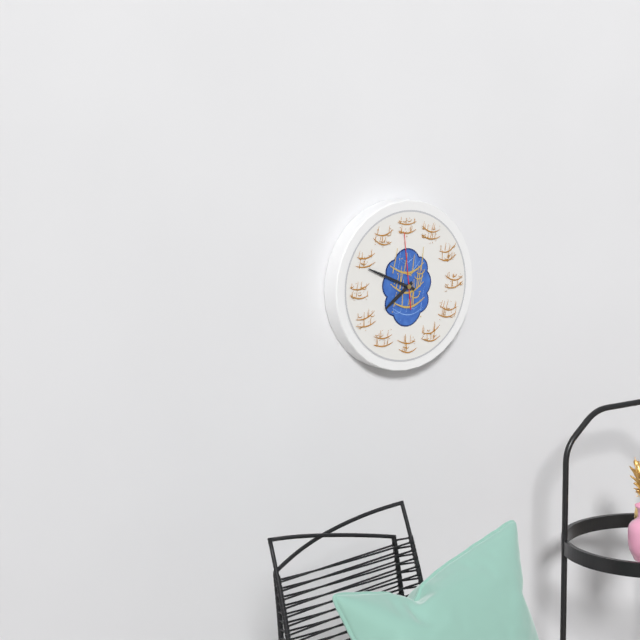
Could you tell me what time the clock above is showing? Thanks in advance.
7:49:59
